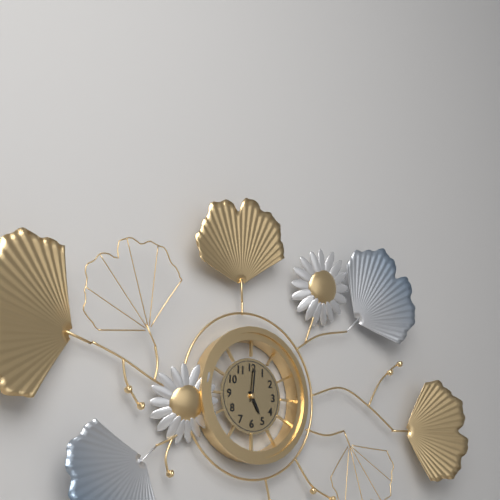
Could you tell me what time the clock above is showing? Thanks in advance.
5:01
